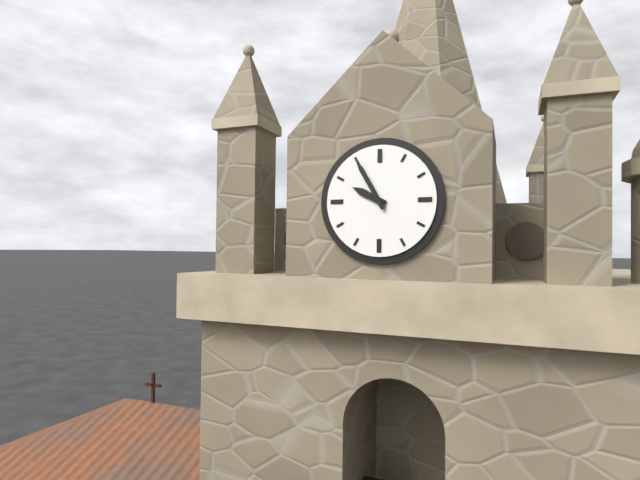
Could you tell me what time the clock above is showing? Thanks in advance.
9:55
